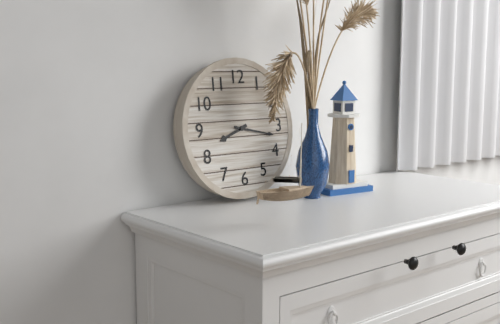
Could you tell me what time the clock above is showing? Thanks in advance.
8:17
